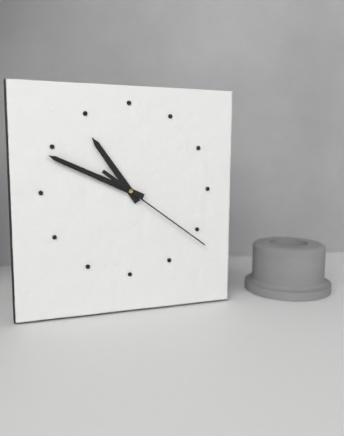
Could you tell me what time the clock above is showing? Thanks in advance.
10:49:21
